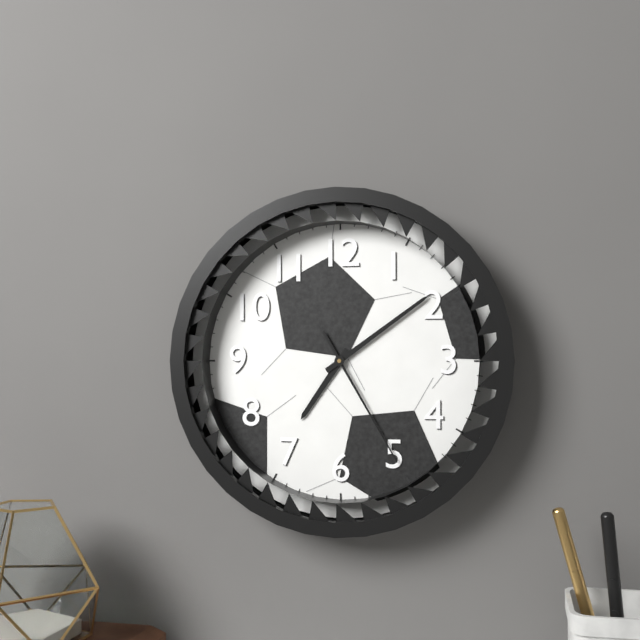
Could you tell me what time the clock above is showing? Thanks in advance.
7:09:25
